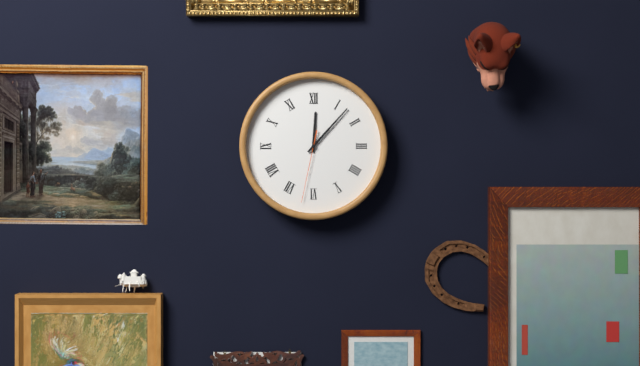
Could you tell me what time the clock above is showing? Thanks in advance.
12:07:32
